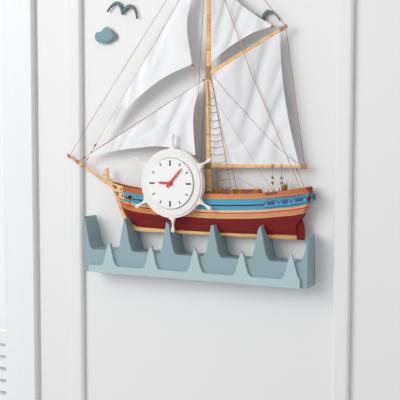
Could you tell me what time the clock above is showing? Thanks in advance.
9:07
